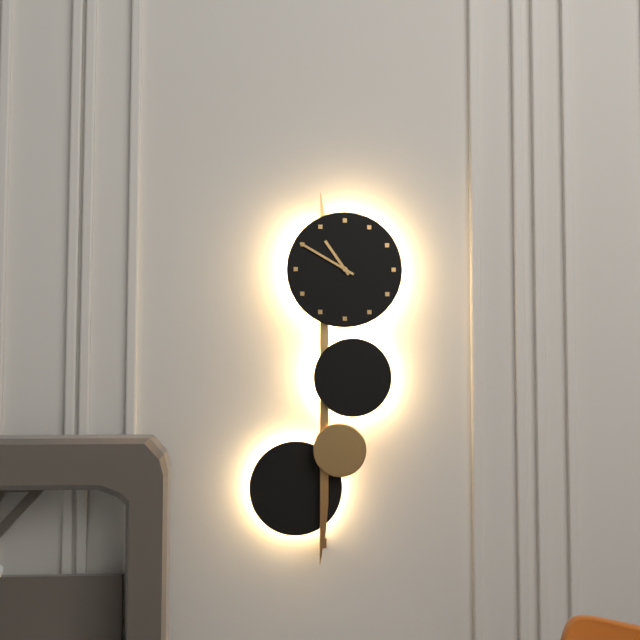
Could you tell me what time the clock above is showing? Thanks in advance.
10:50
